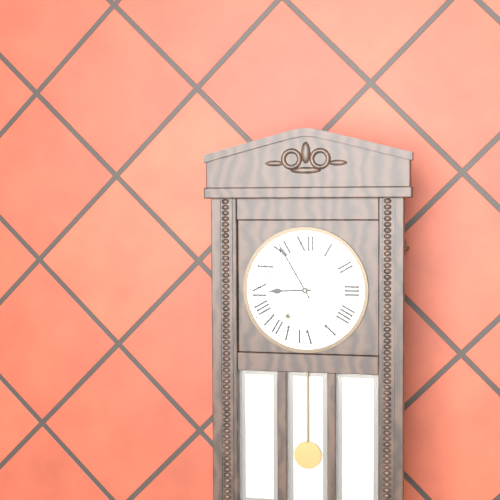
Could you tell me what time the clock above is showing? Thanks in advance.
8:55
